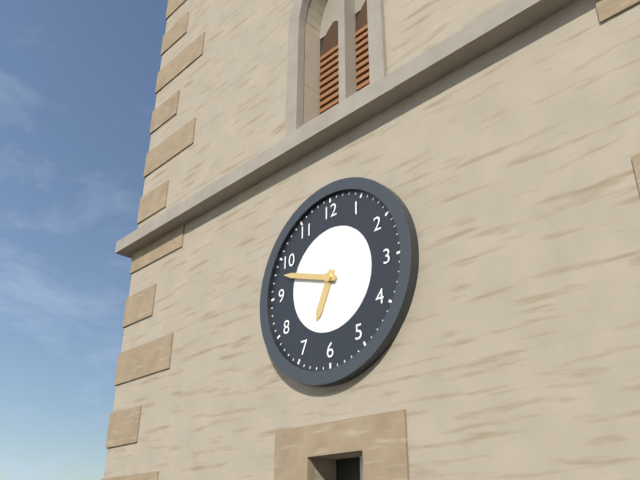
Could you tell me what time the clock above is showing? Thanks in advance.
6:48
